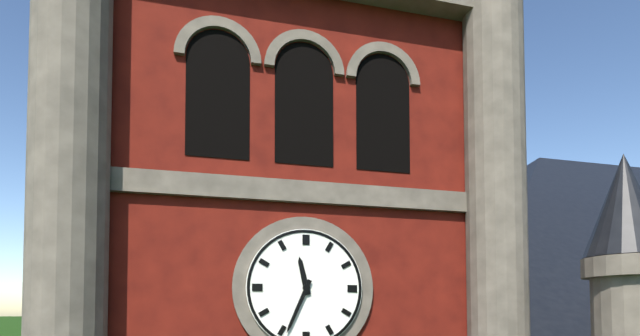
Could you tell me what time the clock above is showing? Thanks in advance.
11:34
